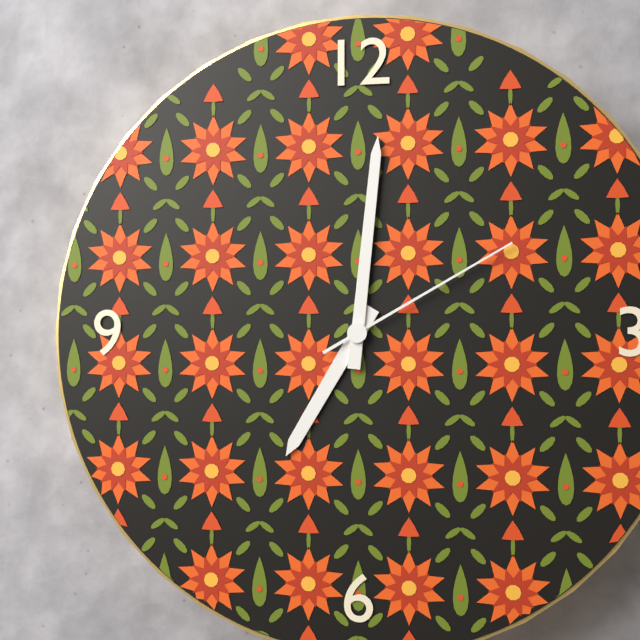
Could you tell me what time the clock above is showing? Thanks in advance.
7:01:10
